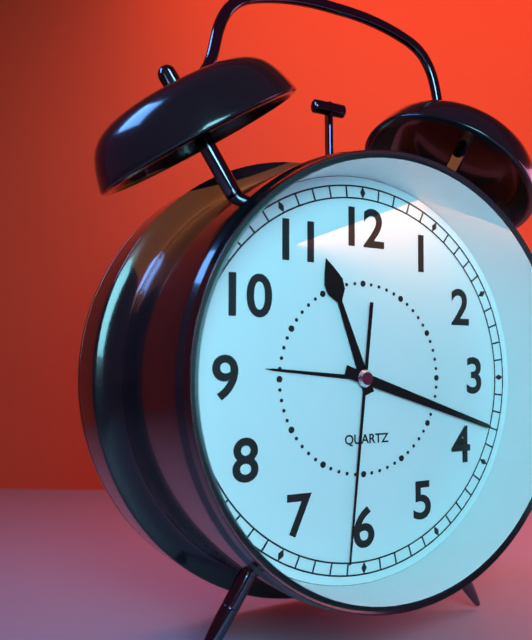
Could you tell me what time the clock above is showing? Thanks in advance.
11:18:31
